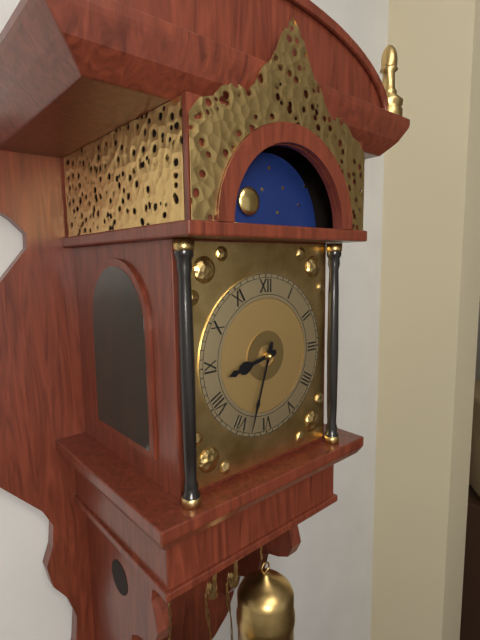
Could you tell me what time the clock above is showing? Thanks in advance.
8:33
